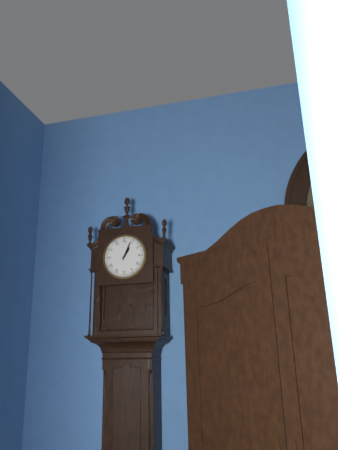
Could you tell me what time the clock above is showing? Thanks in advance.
1:04
